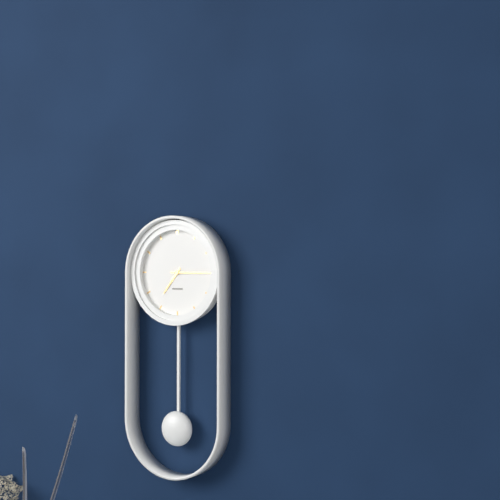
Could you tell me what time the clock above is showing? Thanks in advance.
7:15
